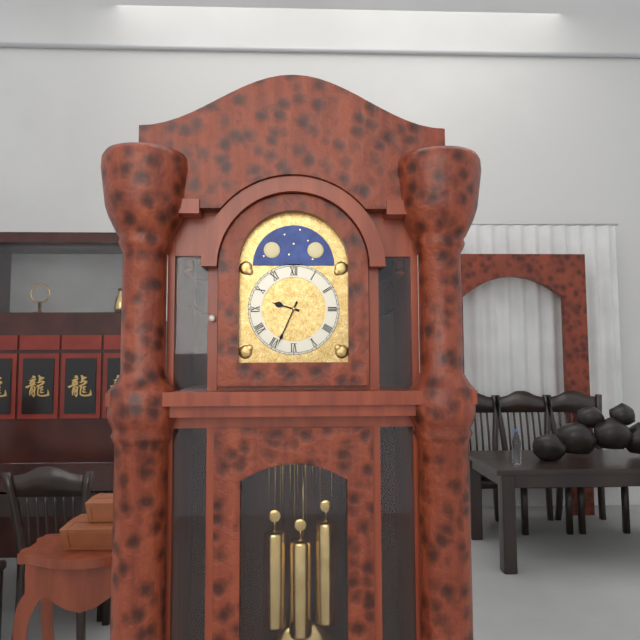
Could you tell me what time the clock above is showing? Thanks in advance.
9:34
